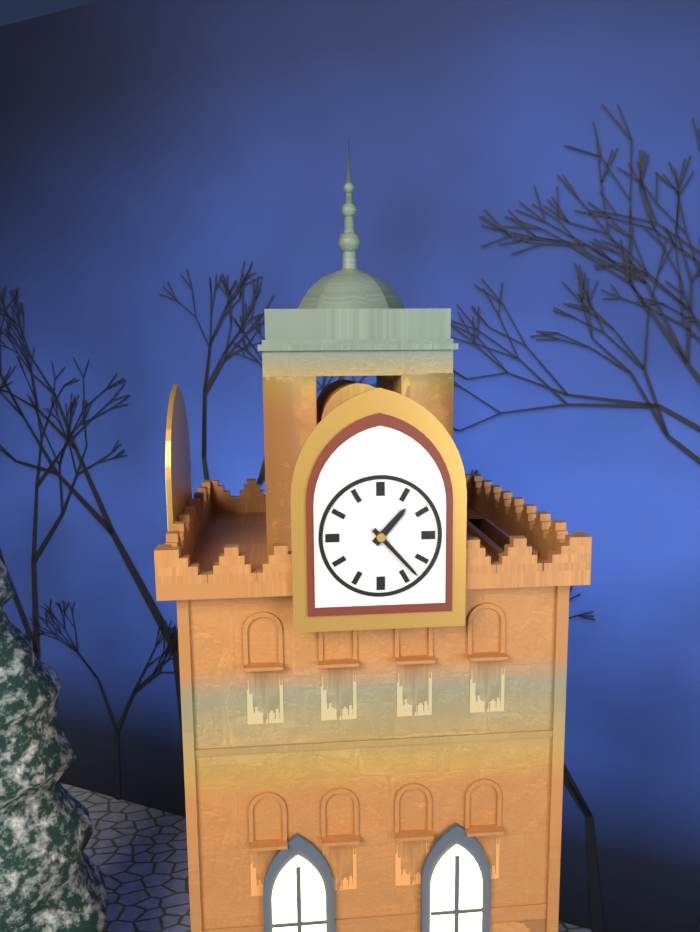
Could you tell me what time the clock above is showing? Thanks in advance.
1:23
